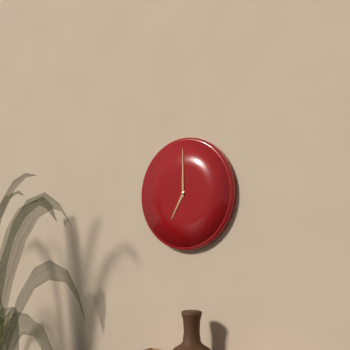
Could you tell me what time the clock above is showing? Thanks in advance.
7:00
